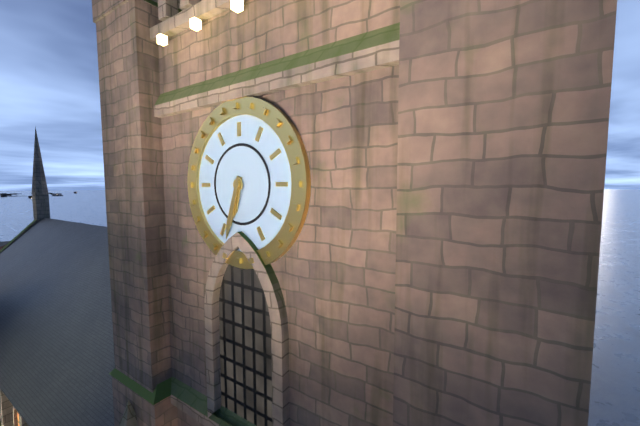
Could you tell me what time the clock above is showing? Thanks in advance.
6:33
